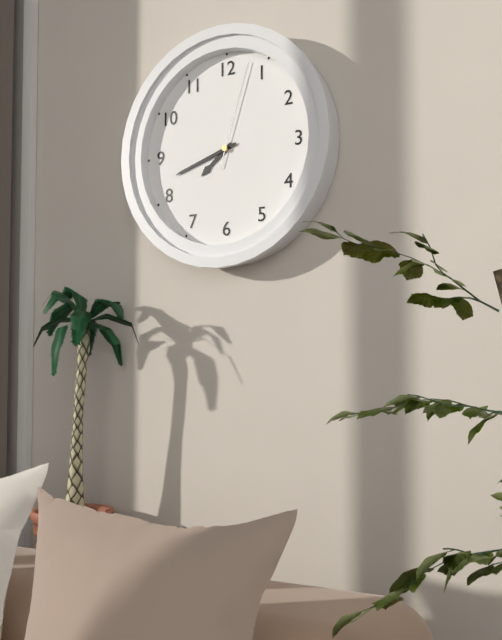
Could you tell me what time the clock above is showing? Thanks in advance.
7:42:03
